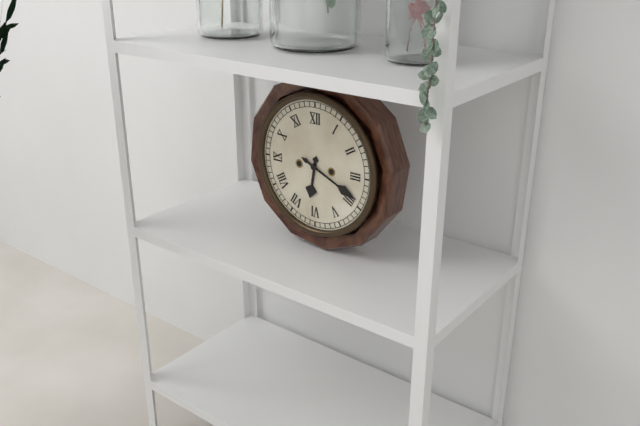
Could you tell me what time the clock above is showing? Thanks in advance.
6:19
